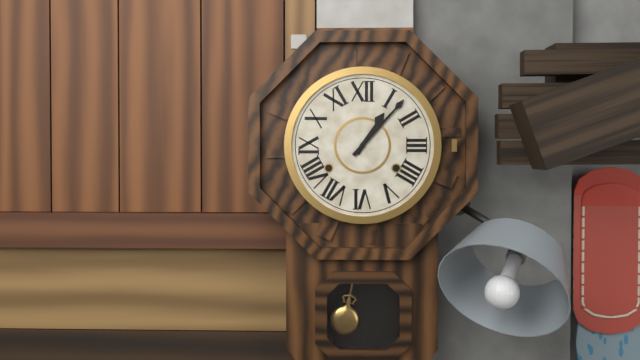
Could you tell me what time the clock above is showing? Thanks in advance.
1:07
